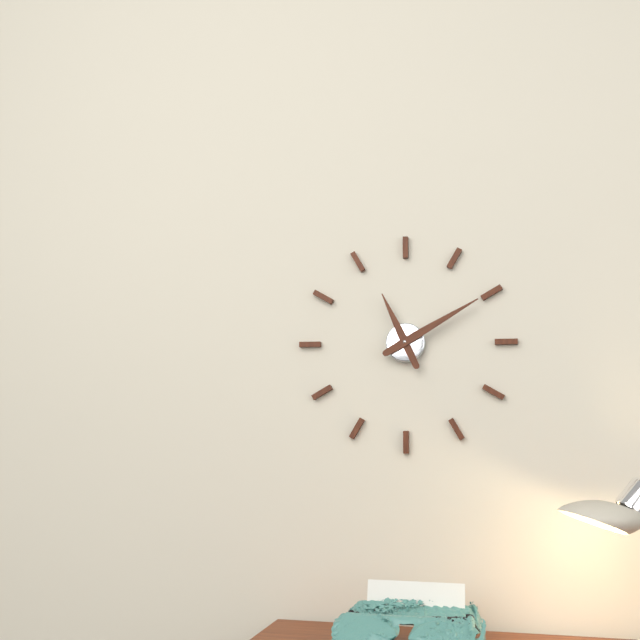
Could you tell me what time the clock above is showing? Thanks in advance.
11:10
